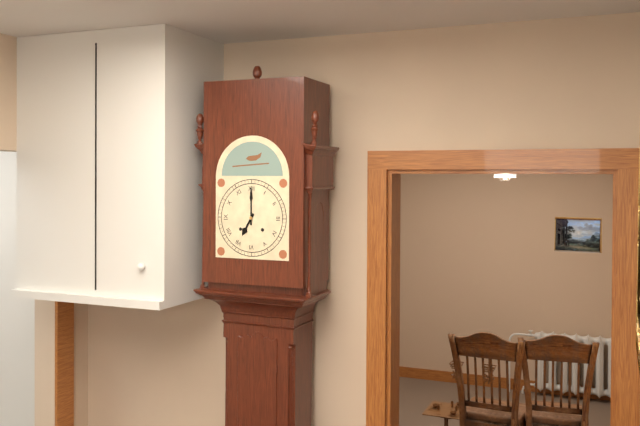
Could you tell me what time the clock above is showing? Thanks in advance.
7:00
